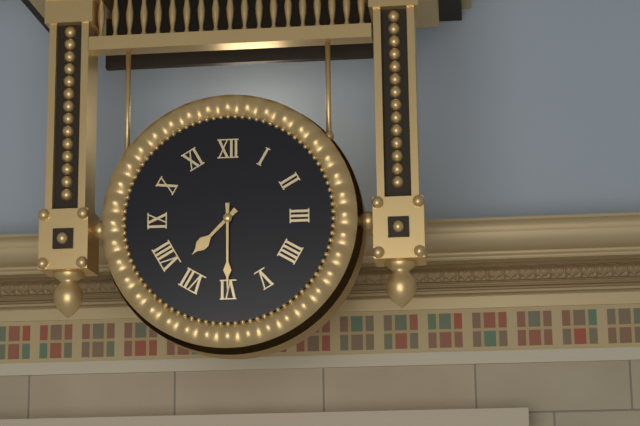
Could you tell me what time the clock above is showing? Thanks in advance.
7:30
